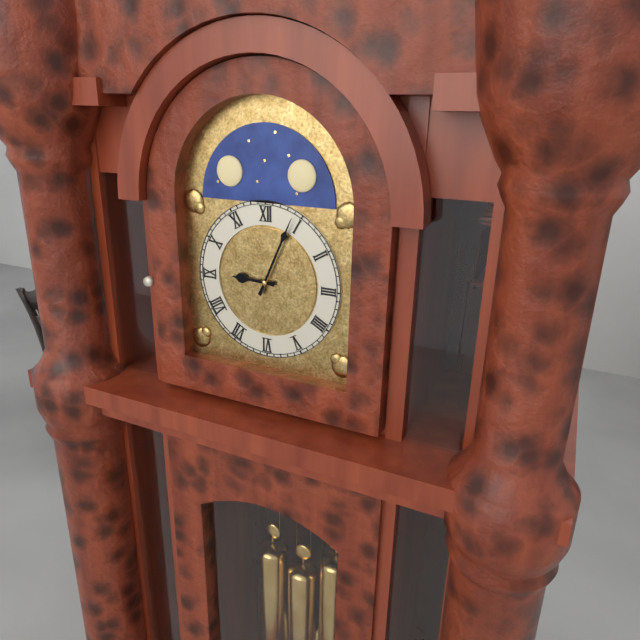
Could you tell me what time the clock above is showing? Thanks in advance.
9:04
